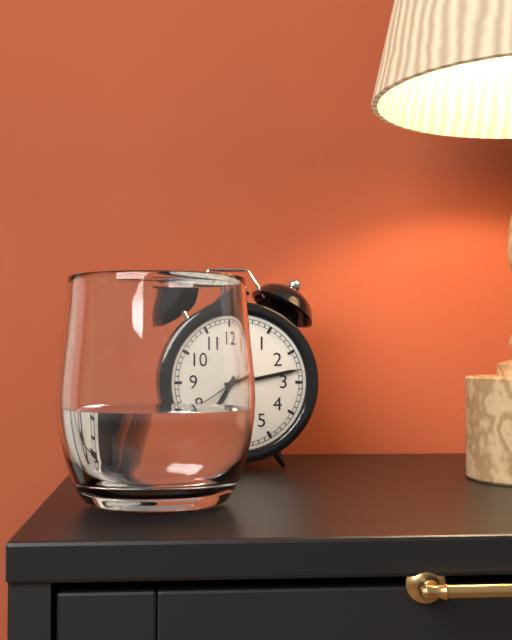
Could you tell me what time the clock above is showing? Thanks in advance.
7:13:40
